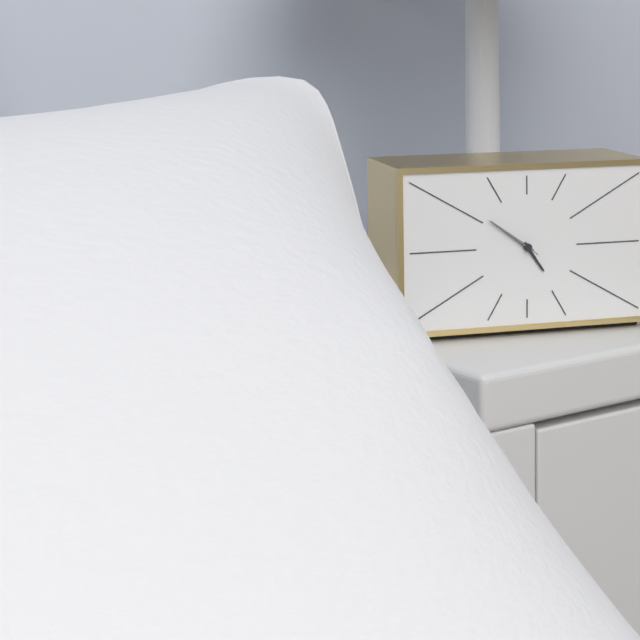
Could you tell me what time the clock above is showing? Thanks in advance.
4:51:51
